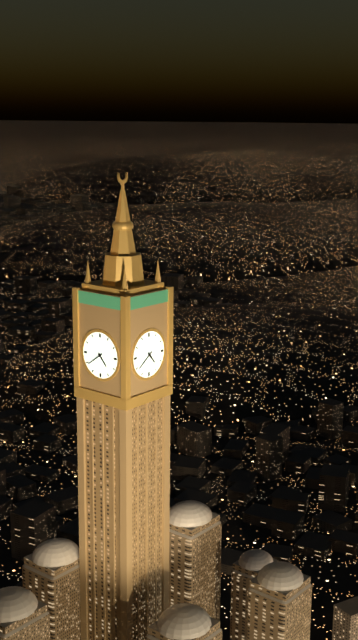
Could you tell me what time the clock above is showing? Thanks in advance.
4:39
